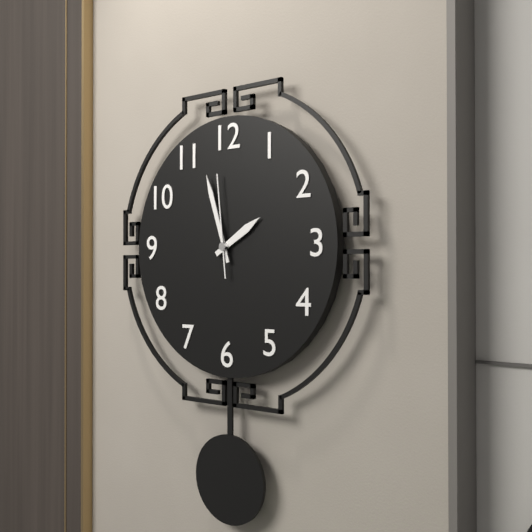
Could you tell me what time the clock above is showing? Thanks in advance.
1:57:59
